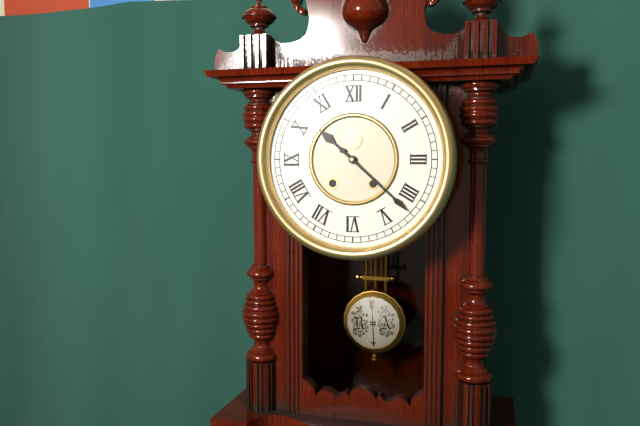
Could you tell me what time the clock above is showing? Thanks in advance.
10:22
